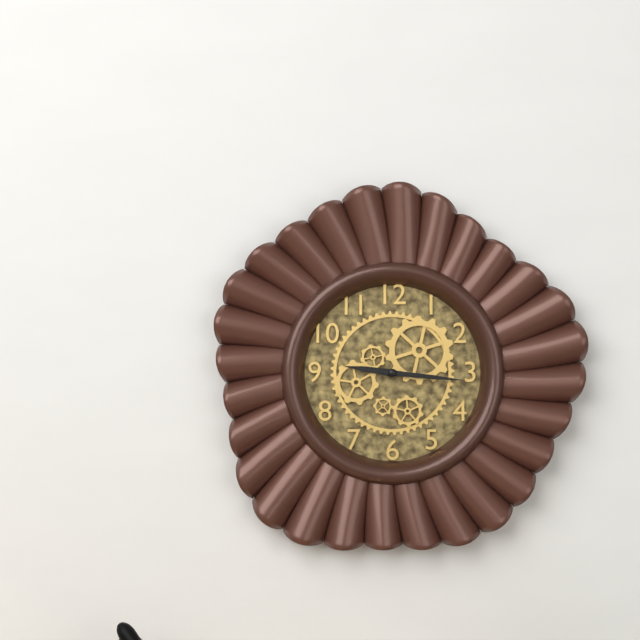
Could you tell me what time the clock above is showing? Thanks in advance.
9:16
